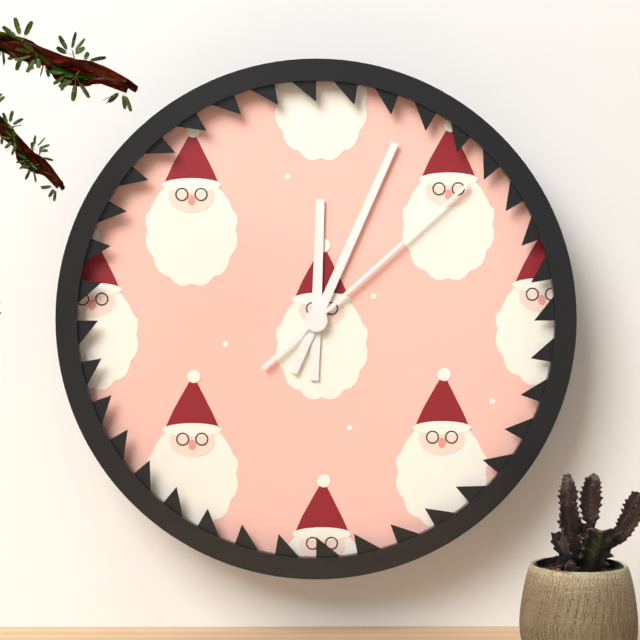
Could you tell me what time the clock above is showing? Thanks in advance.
12:04:08
